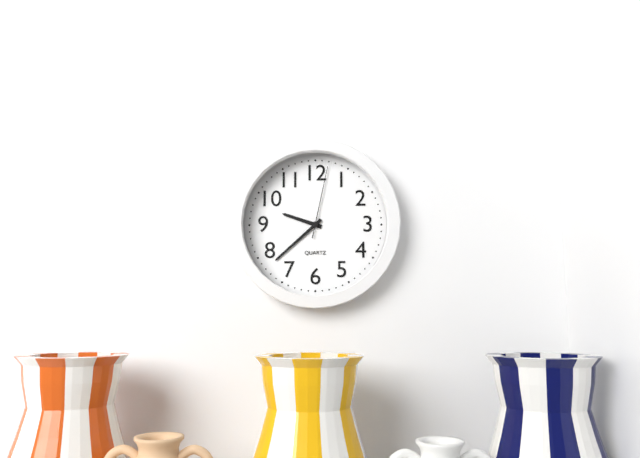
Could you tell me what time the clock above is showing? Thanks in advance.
9:38:02
